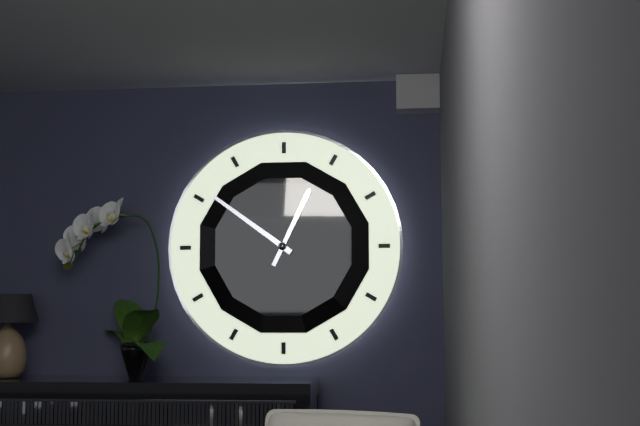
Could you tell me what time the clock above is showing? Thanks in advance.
12:51
